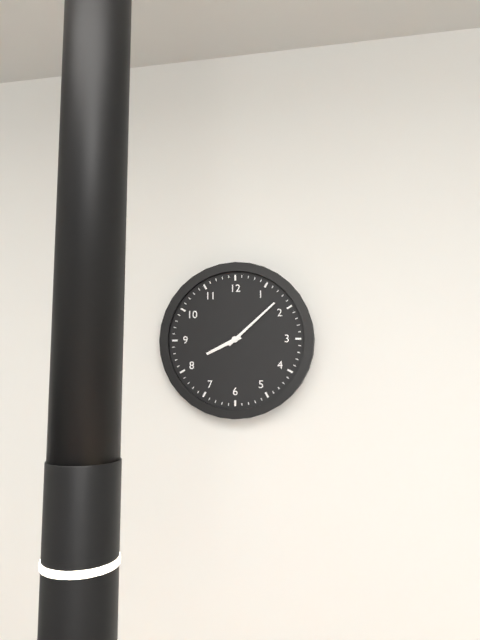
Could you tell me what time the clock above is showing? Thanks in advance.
8:08
